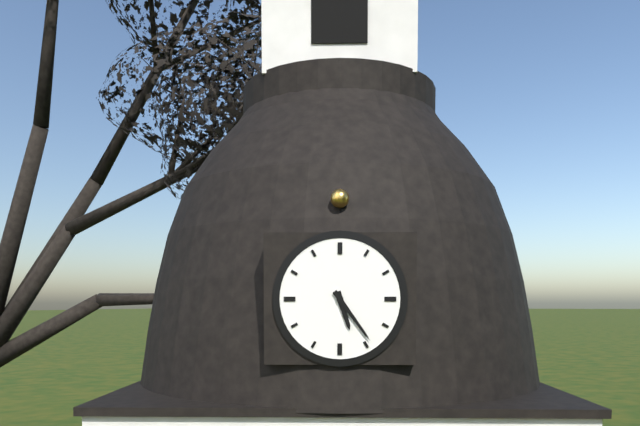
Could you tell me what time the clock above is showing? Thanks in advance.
5:24
